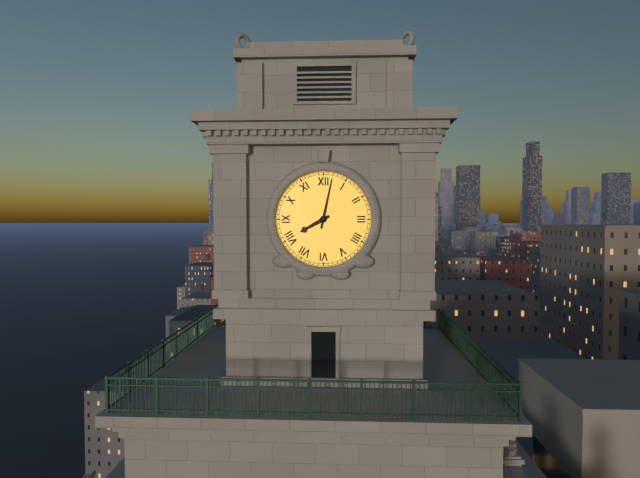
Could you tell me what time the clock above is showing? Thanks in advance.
8:02
